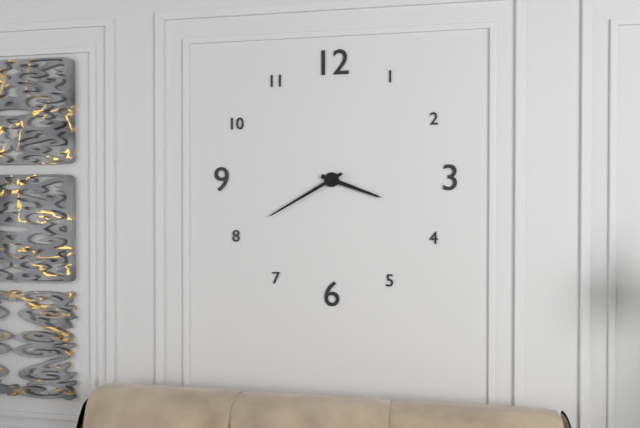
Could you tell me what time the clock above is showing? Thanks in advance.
3:40
